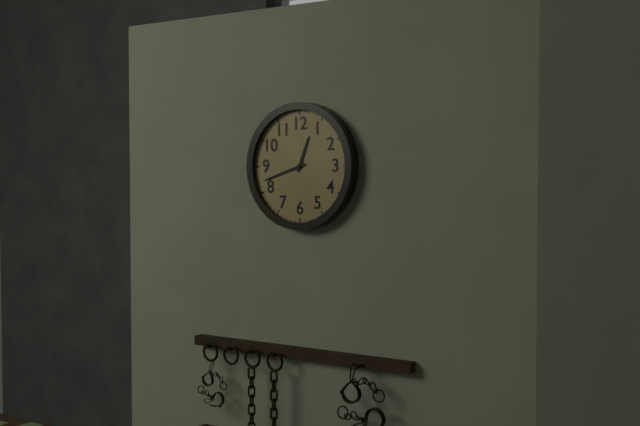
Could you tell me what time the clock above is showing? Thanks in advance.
12:42
